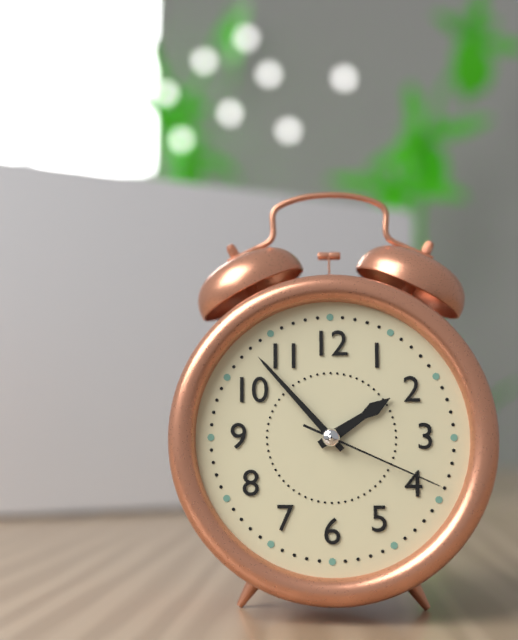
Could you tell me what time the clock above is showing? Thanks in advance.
1:53:19
